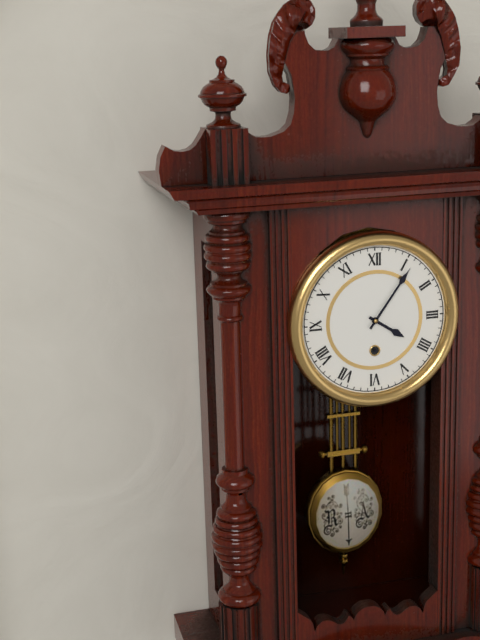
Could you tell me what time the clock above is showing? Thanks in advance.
4:06
